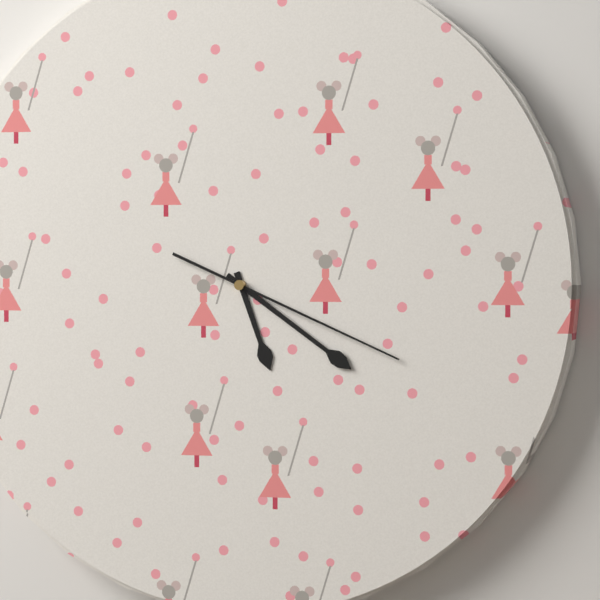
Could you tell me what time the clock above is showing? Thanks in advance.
5:21:19
